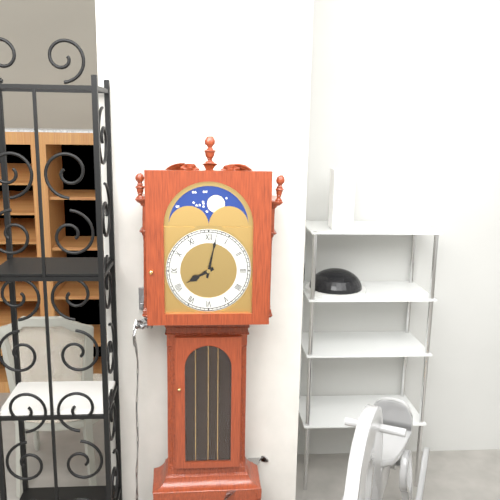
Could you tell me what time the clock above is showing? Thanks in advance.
8:02
